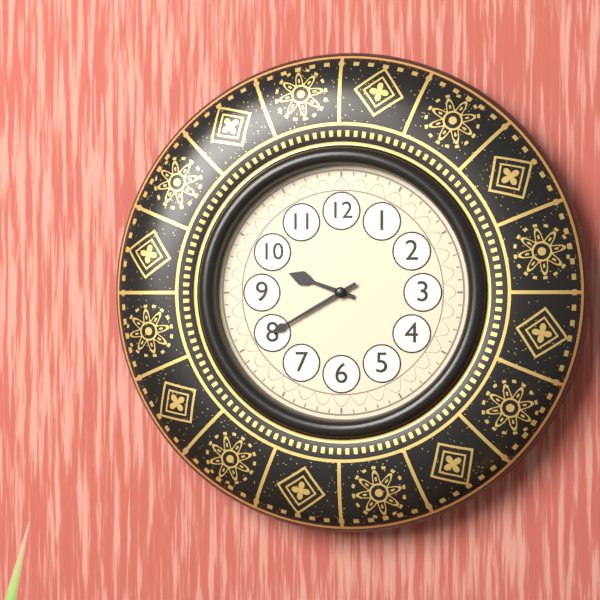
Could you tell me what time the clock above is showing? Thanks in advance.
9:40
